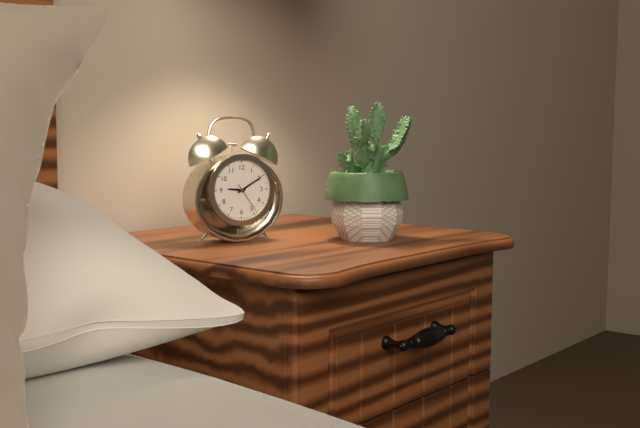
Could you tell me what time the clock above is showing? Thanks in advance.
9:10
